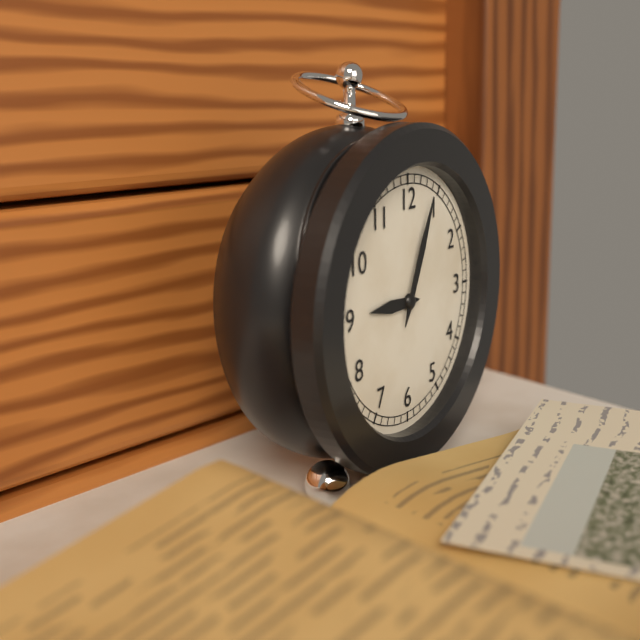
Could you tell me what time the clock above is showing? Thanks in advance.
9:04
